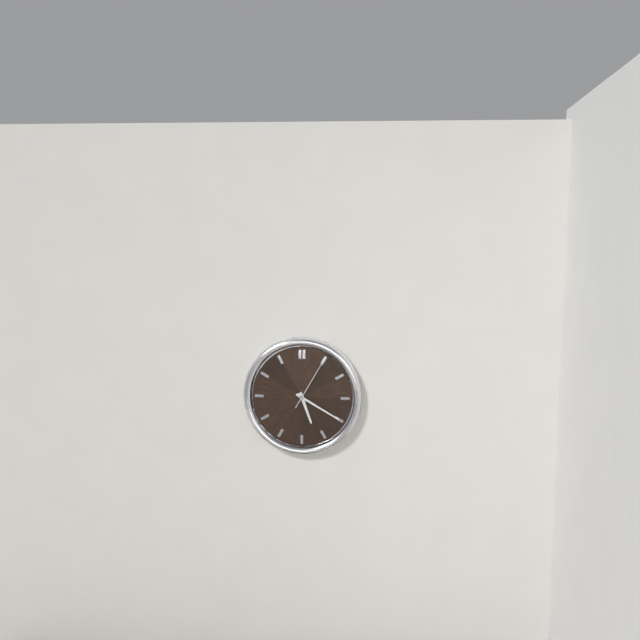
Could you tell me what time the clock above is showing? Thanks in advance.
5:20:05
